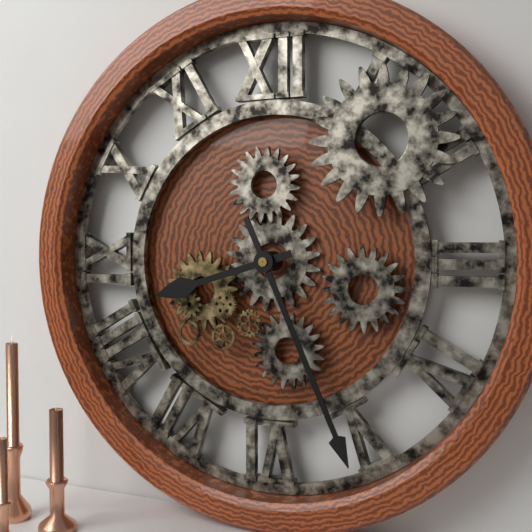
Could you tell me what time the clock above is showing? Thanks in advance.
8:26
